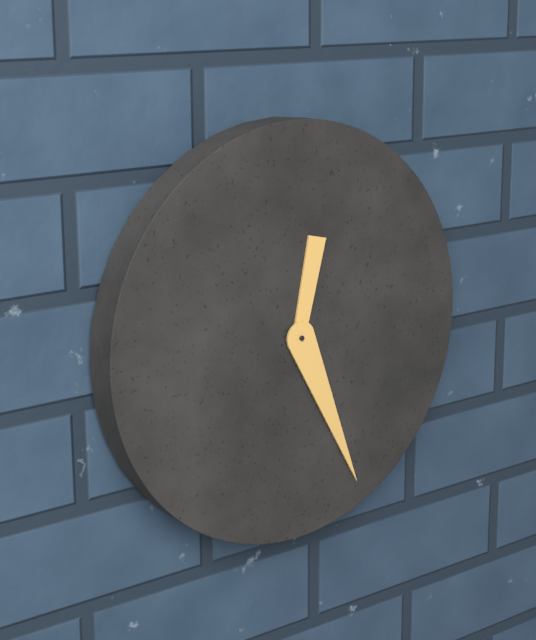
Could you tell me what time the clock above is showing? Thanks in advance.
12:26
